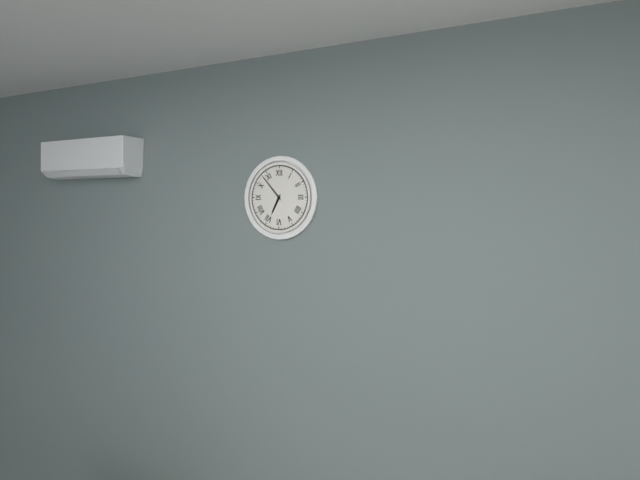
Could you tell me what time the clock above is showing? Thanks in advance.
6:53
